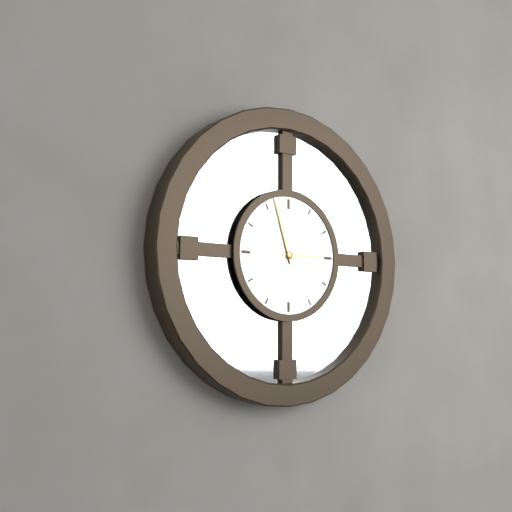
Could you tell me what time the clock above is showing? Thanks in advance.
2:57
